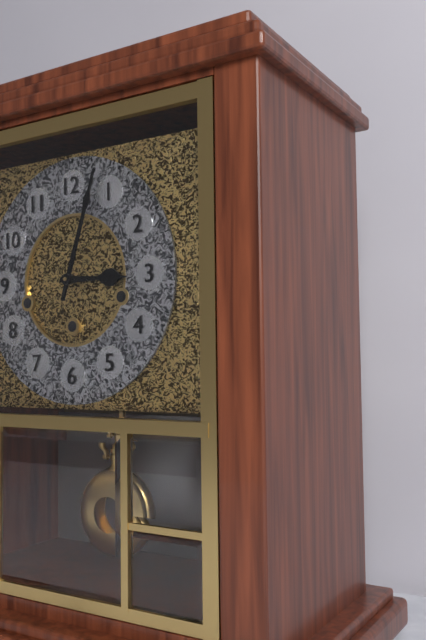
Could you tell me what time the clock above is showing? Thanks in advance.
3:03
